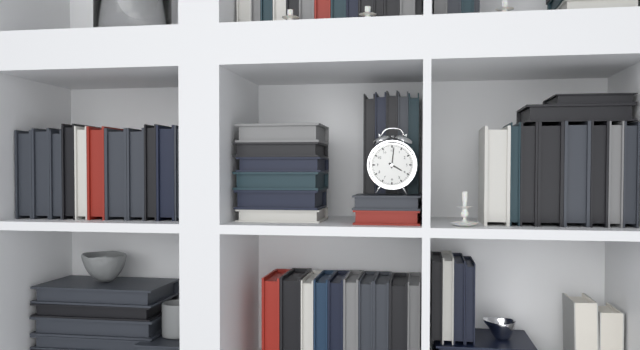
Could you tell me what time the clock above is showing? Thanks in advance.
4:01
